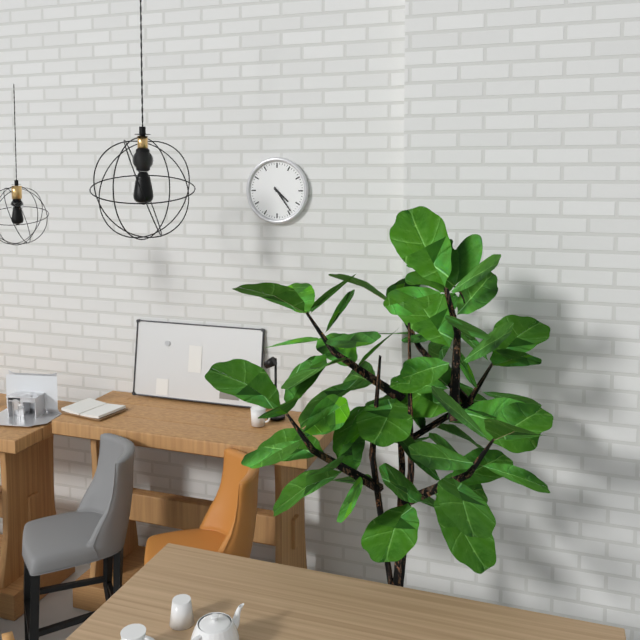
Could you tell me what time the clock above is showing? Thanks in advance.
4:24
